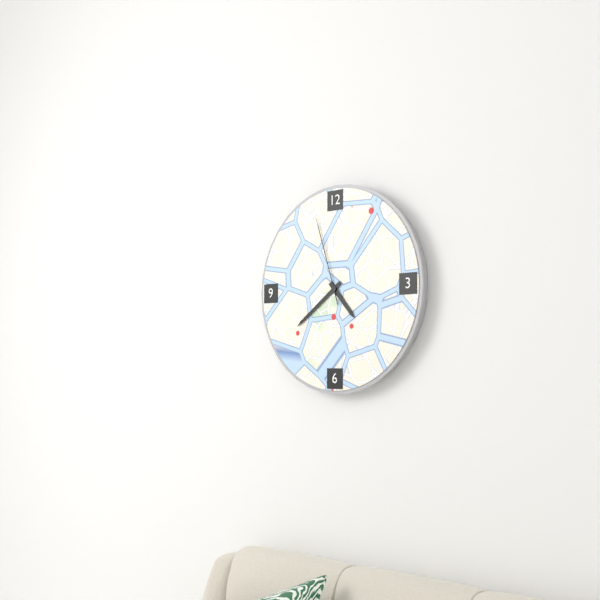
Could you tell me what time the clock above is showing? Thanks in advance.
4:39:57
